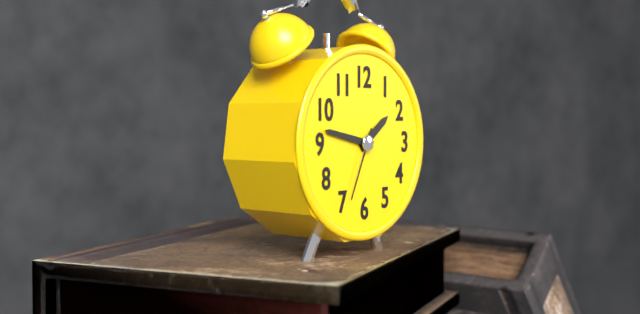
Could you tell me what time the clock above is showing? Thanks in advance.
1:47:34
